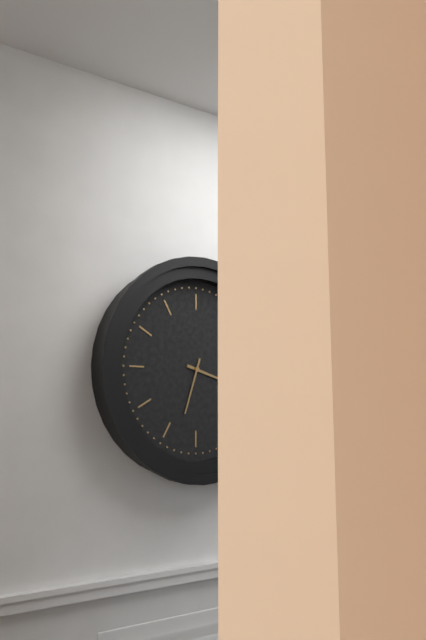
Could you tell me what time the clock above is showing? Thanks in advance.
3:33
